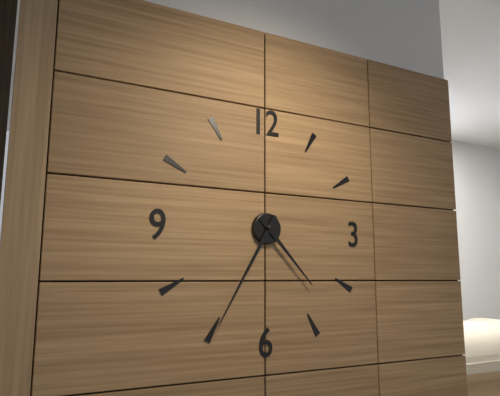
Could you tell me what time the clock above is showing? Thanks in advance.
4:35
